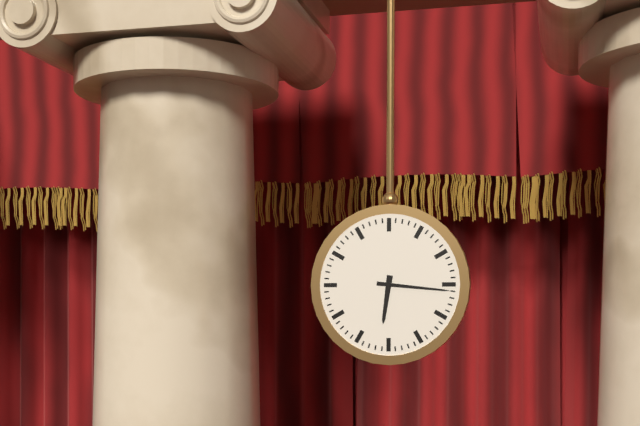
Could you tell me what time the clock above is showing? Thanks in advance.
6:16
